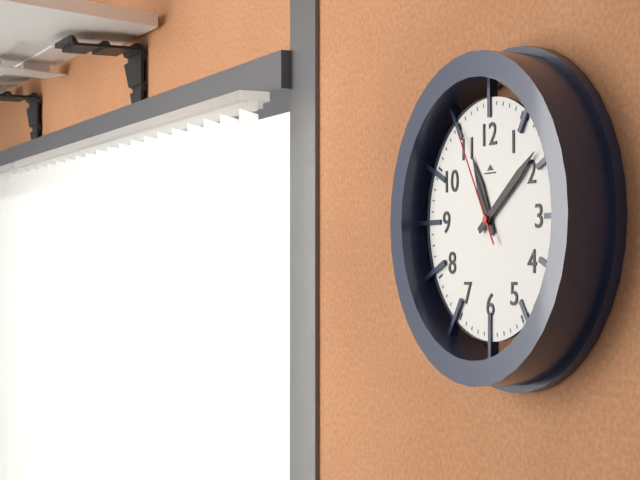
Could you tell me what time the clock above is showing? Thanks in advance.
11:09:55
